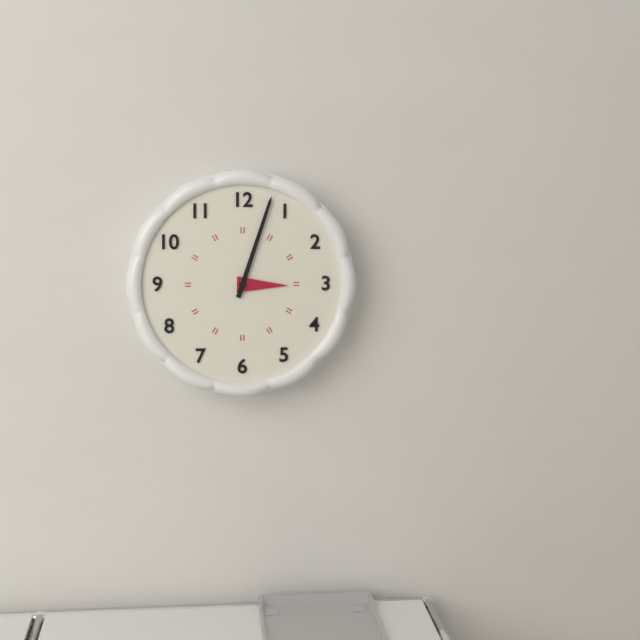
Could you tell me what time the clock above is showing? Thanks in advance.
3:03
